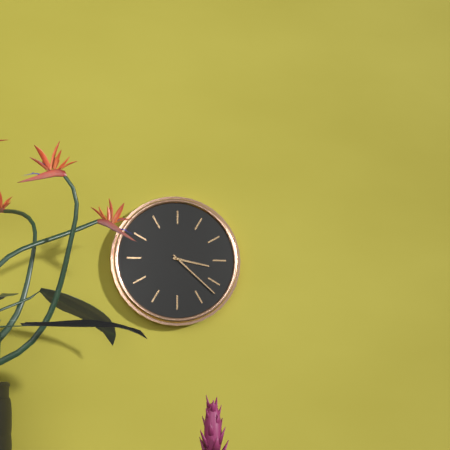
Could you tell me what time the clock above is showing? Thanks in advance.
3:22
